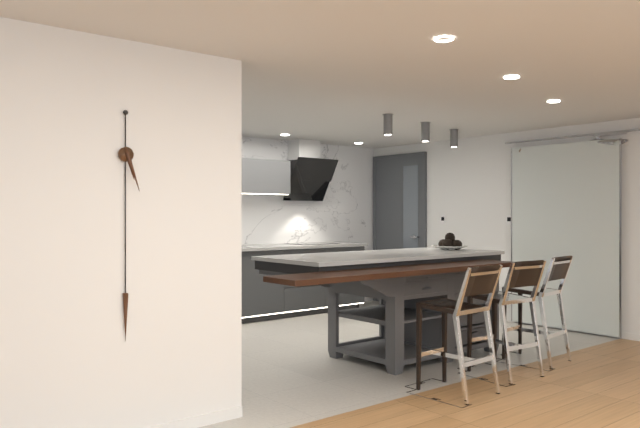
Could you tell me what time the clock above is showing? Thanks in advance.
5:27
